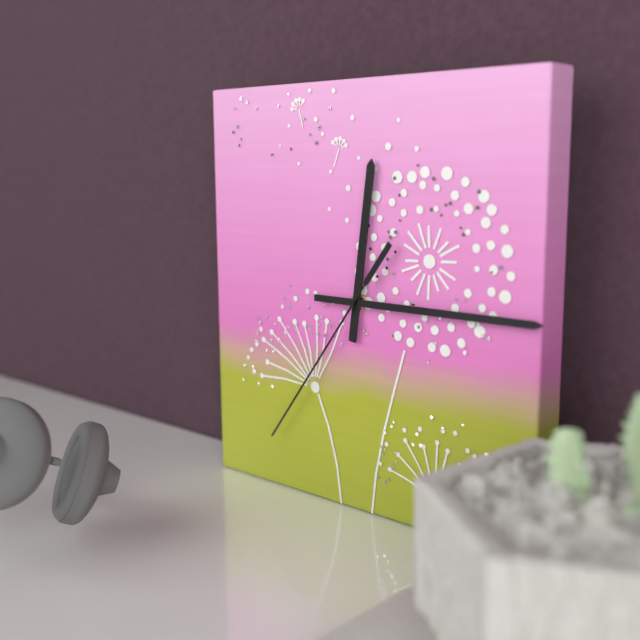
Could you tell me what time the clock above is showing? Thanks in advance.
12:15:36
